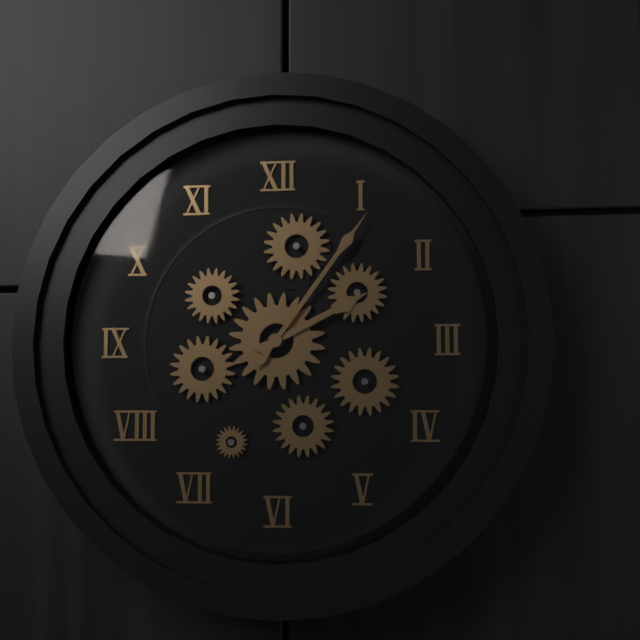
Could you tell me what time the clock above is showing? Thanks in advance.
2:06
